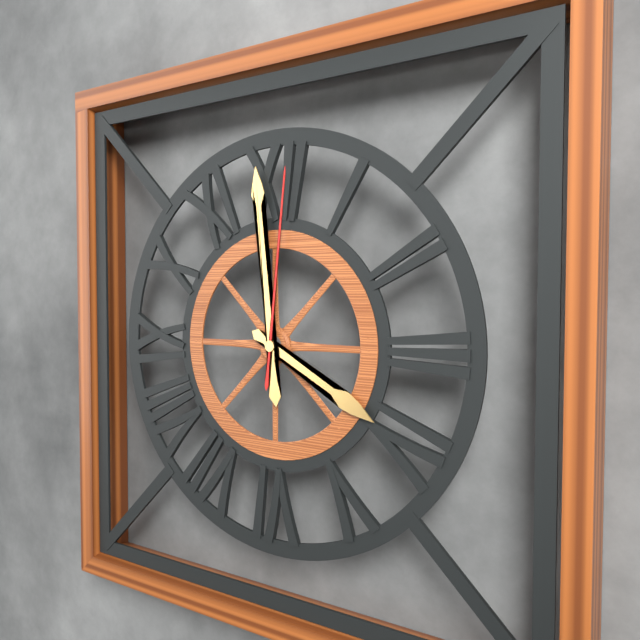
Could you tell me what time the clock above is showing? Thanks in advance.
3:59:01
